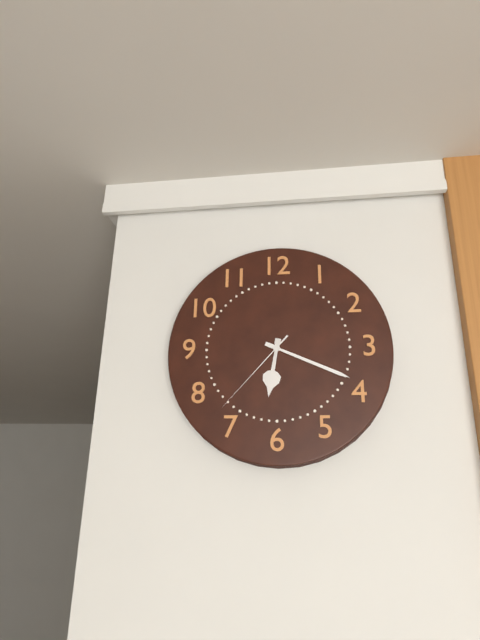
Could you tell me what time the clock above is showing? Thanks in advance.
6:19:37
